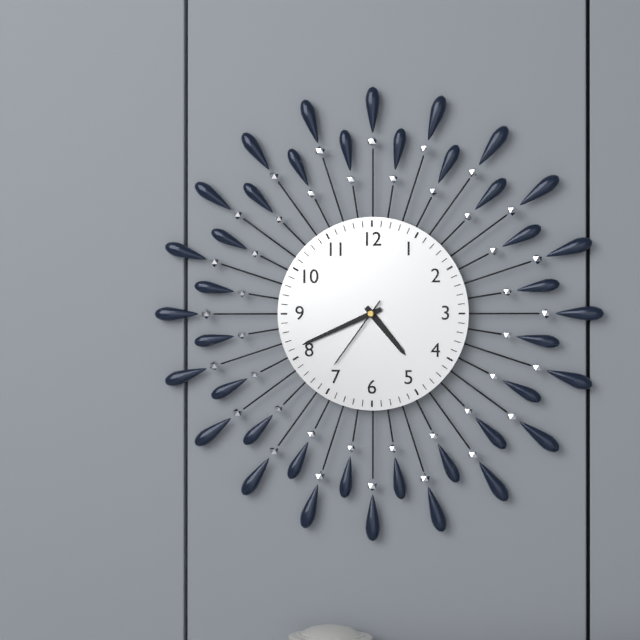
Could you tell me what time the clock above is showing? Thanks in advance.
4:41:36
